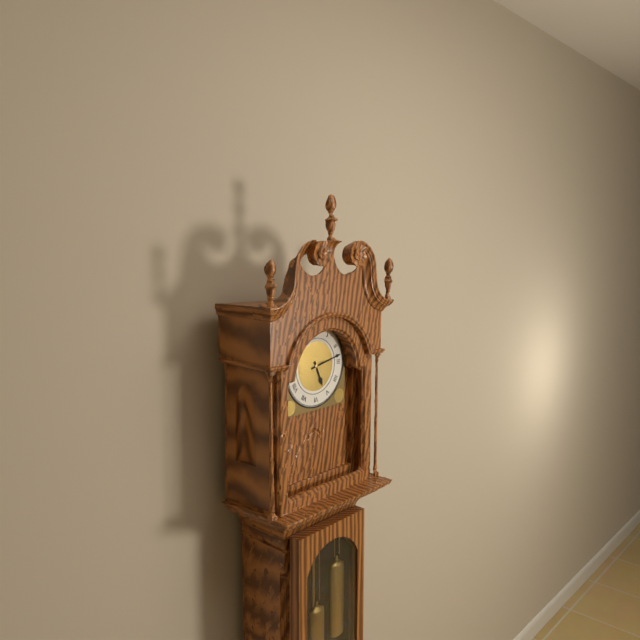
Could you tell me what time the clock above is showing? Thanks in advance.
5:13
